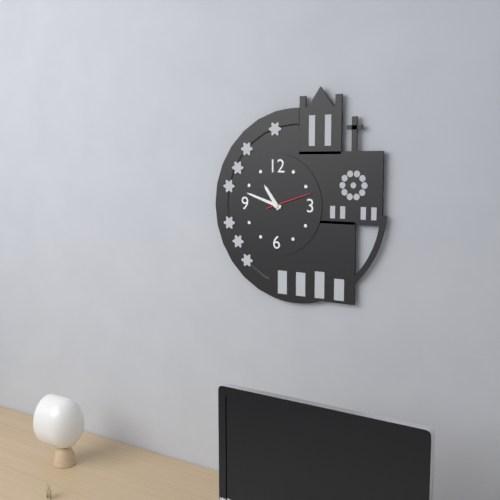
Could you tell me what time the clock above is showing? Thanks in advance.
10:48
